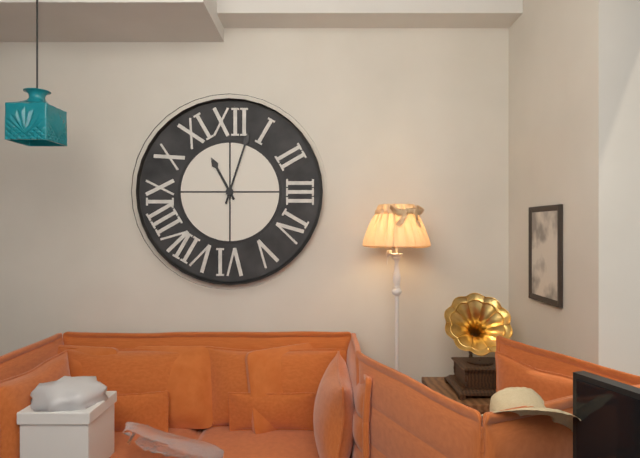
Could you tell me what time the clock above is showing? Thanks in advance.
11:03
